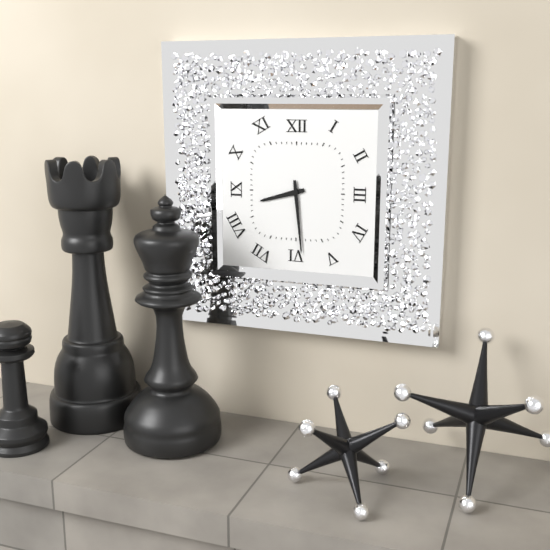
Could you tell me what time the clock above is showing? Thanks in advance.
8:29
